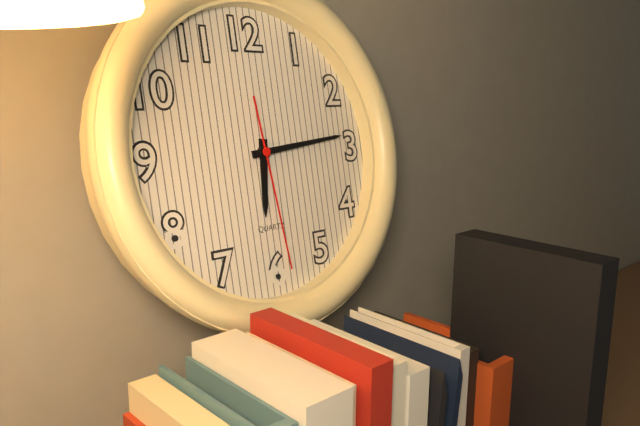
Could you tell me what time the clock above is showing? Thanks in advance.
6:14:29
